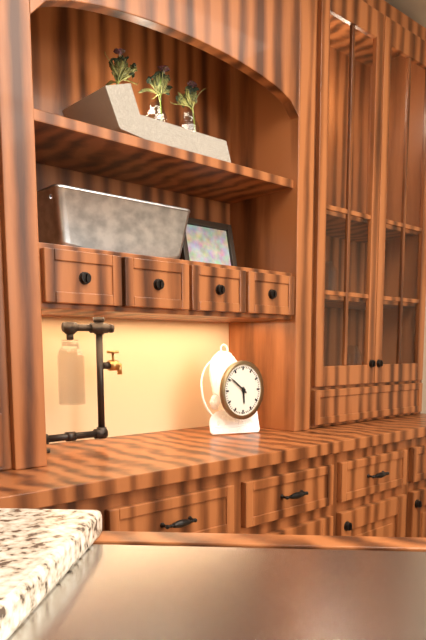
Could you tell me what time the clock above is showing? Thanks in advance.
5:51
